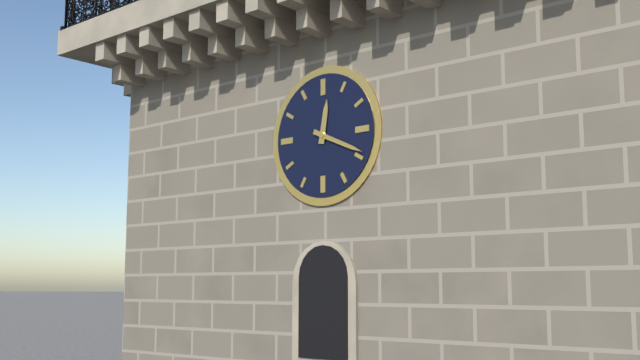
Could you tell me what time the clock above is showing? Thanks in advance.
12:19
